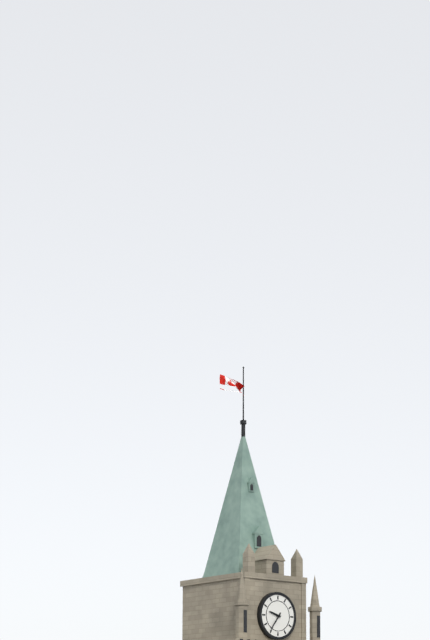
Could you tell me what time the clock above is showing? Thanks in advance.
9:36
